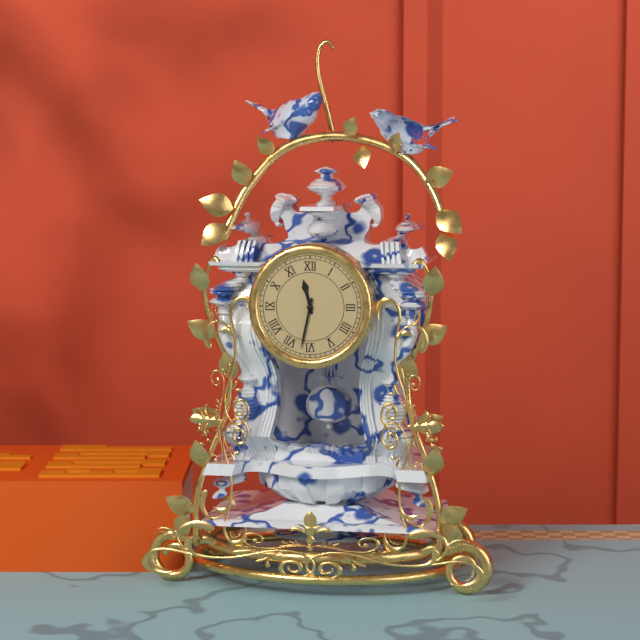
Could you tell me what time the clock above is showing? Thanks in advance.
11:32
